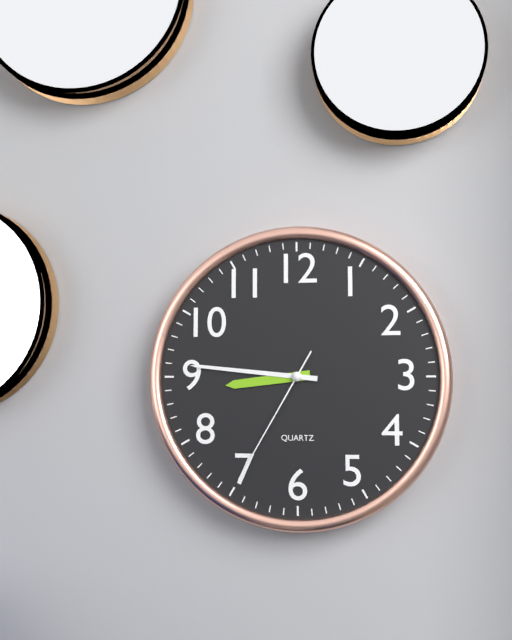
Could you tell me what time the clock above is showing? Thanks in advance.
8:46:35
